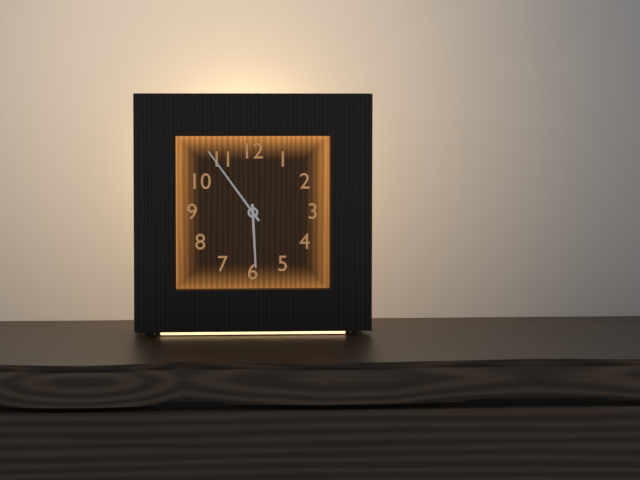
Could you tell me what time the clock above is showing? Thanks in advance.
5:54
